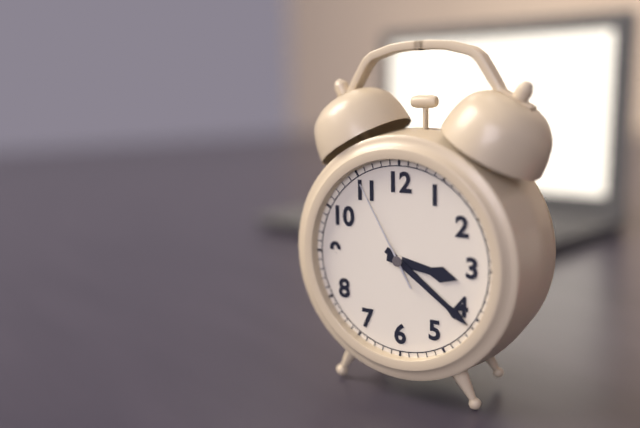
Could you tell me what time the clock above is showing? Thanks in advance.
3:21:55
